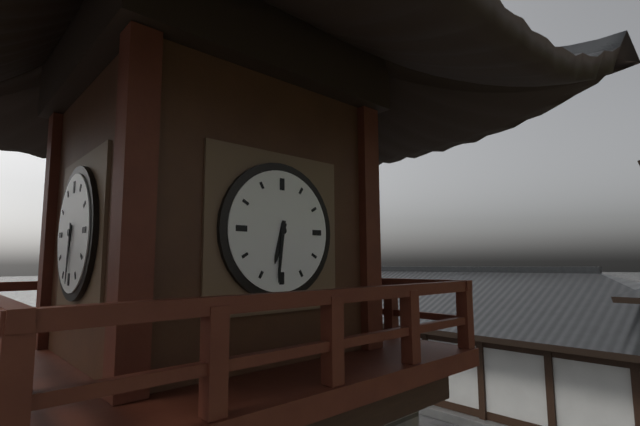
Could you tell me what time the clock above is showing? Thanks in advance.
6:31
